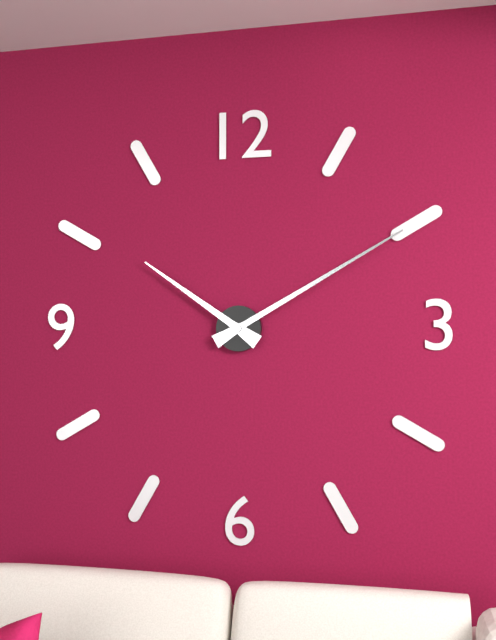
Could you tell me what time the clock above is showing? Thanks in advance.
10:10
